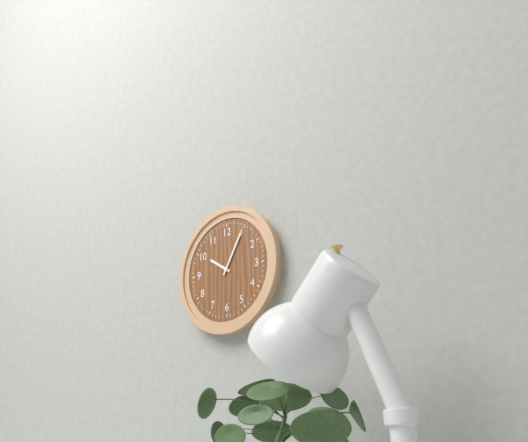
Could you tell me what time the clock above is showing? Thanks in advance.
10:05
